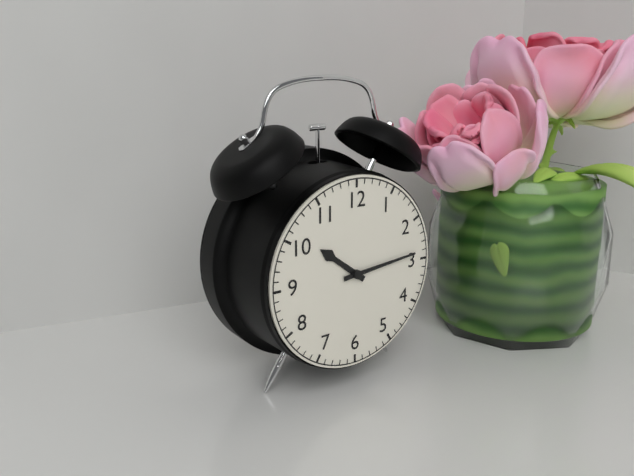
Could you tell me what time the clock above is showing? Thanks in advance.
10:14
